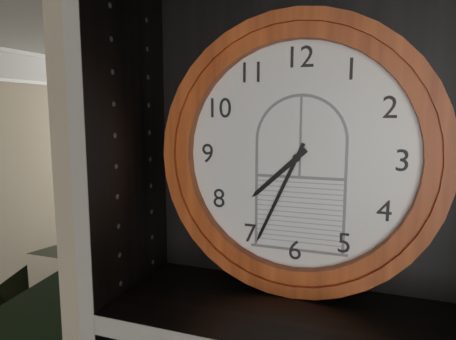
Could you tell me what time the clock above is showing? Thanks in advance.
7:34
